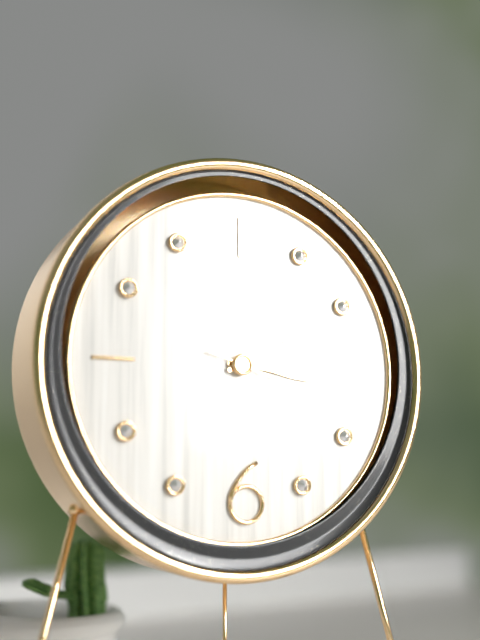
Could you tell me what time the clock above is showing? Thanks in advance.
3:11:18
